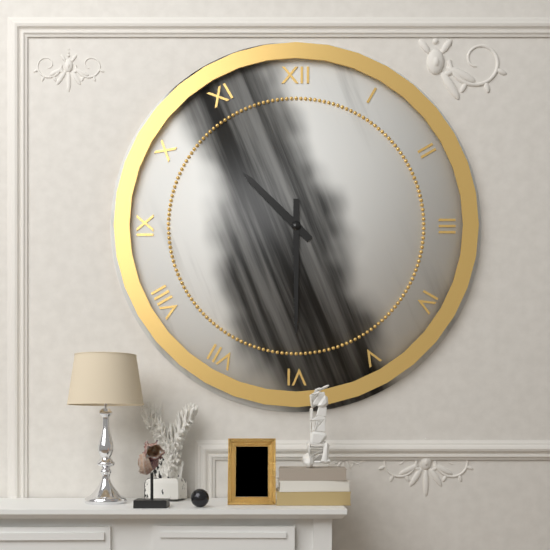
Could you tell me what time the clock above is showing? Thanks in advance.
10:30
